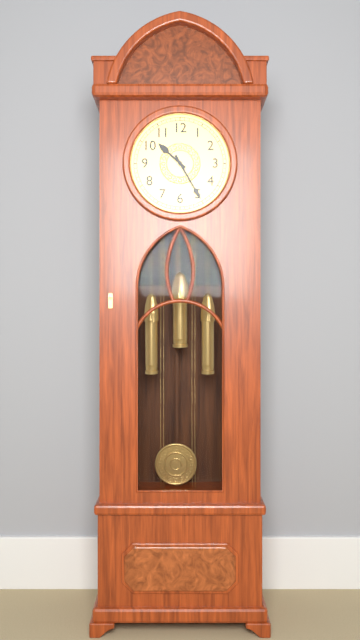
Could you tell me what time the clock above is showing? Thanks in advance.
10:25
